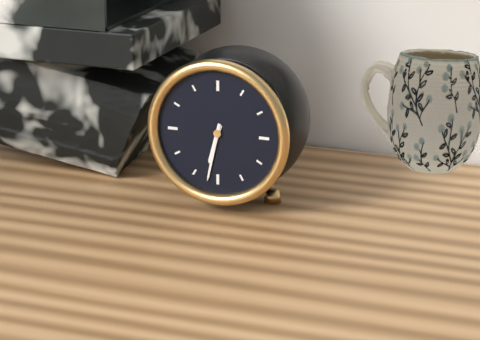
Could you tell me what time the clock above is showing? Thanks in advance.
6:32
